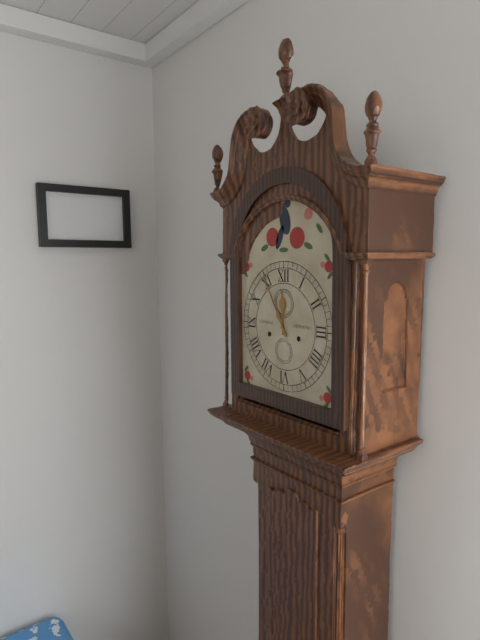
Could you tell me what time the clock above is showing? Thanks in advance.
11:55
